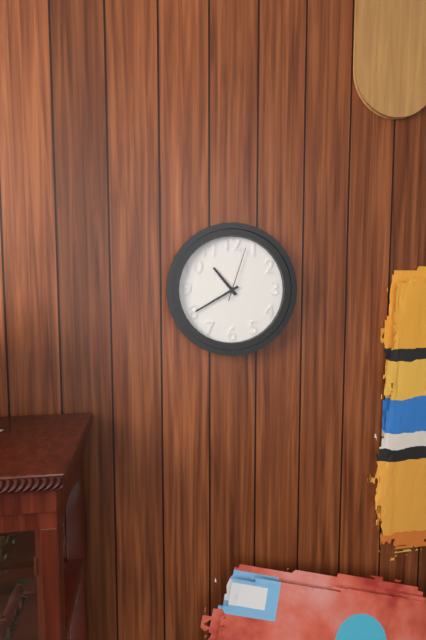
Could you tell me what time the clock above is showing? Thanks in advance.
10:40:03
